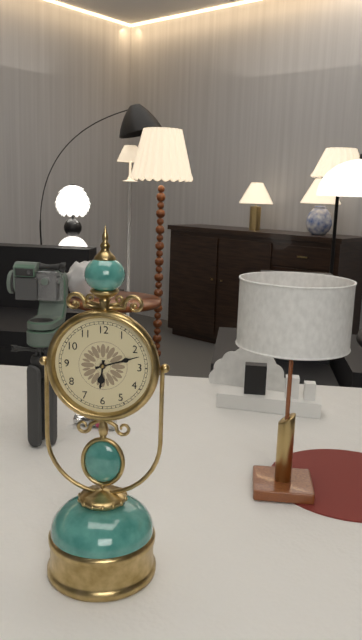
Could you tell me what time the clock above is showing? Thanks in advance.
6:12
